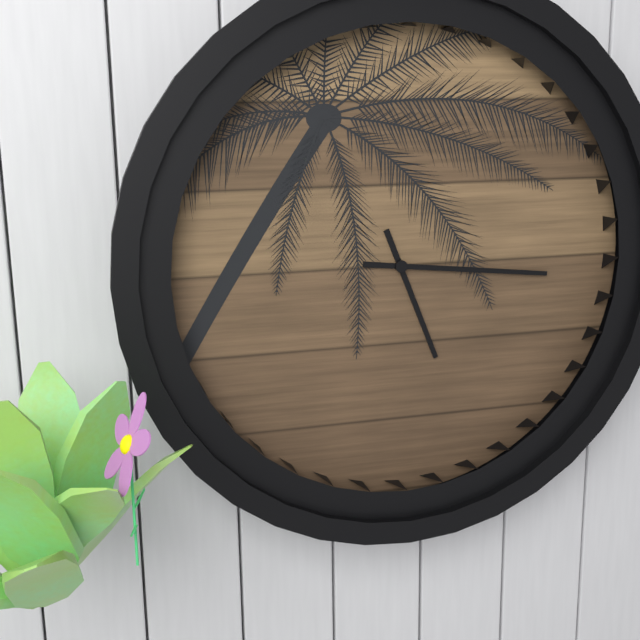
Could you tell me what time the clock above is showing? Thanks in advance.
5:16
